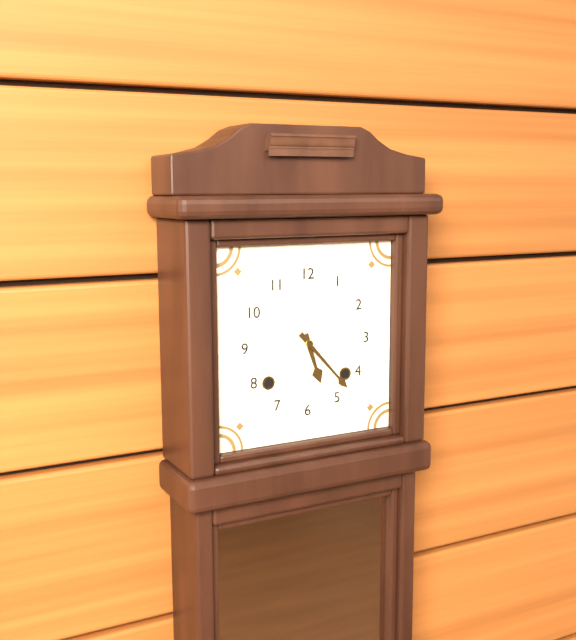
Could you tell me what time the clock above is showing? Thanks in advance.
5:23
